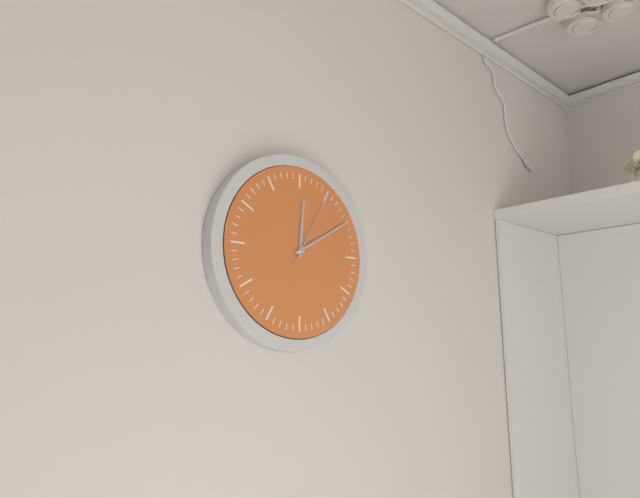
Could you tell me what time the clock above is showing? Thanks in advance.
12:10:05
